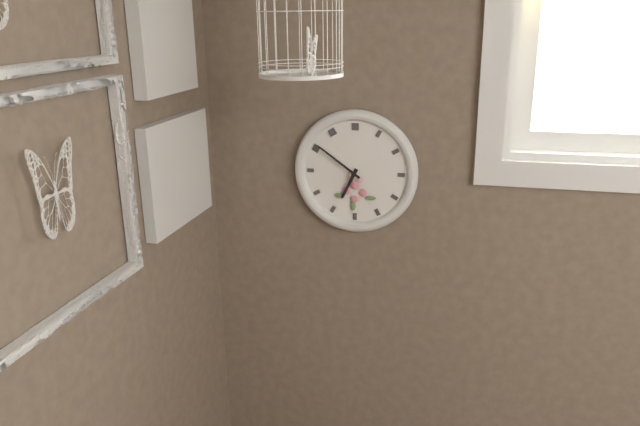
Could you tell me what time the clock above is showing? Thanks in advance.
6:51
